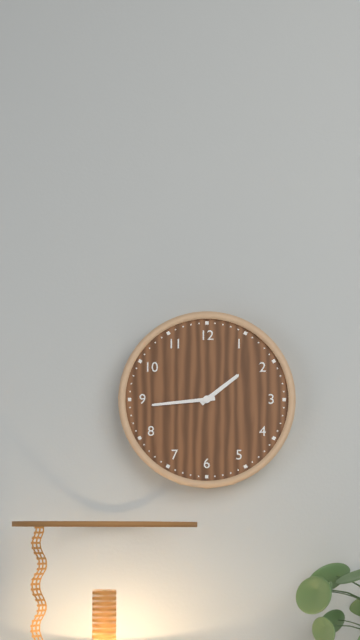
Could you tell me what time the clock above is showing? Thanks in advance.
1:44
